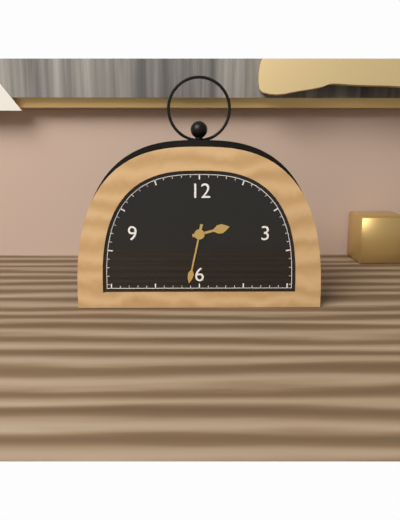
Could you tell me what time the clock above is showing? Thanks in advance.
2:32
